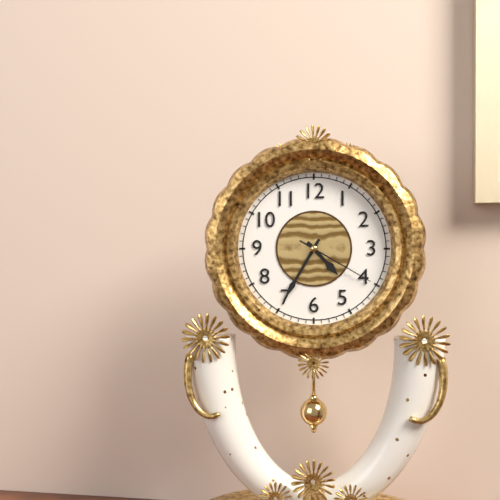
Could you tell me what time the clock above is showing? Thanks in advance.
4:35:20
